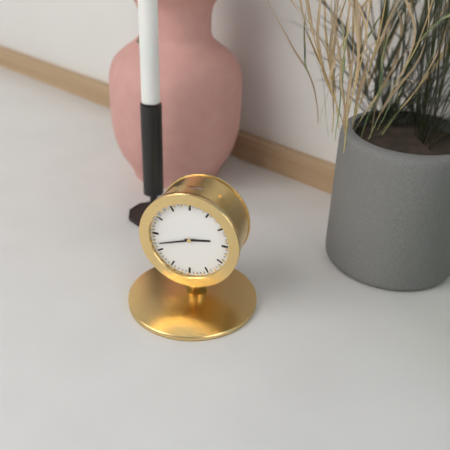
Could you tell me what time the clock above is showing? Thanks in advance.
2:42
